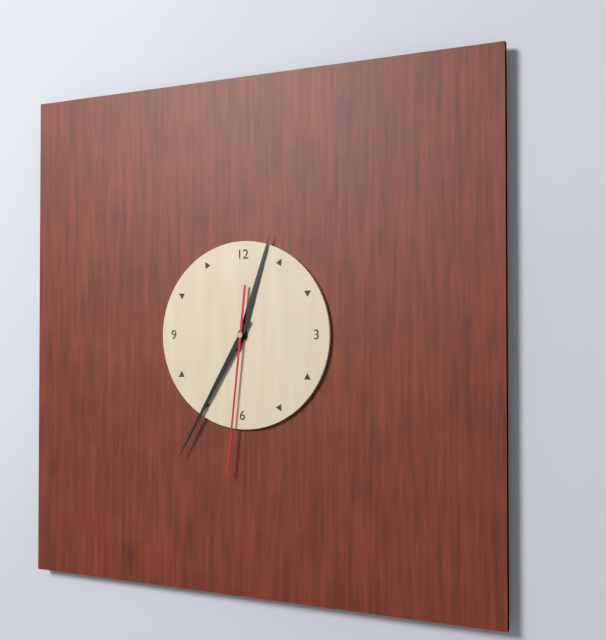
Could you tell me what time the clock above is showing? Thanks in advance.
12:35:31
